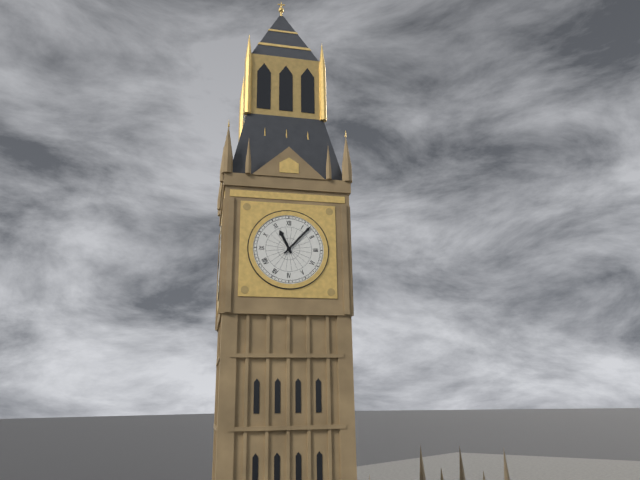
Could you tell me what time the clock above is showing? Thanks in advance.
11:07
